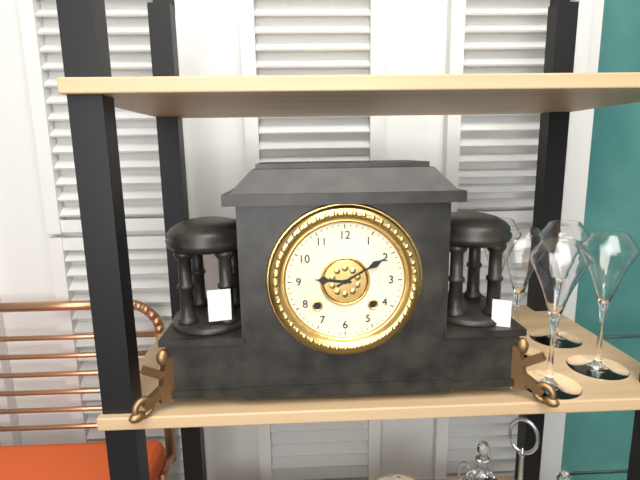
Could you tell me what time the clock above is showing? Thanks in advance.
9:10
